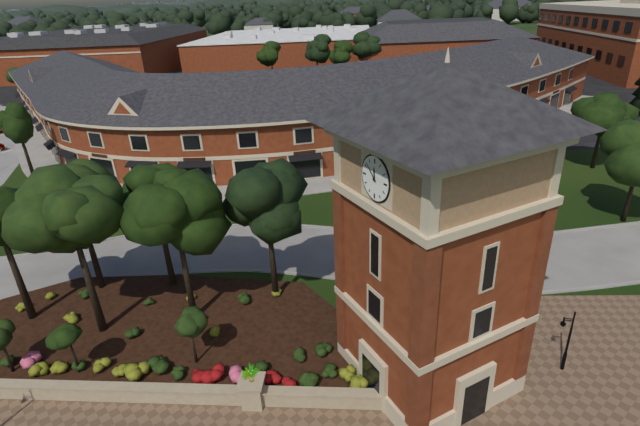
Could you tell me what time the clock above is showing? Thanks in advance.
11:52
